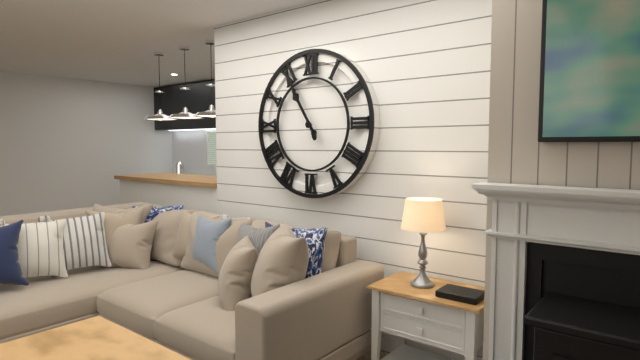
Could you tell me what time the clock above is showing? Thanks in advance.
10:55:55
